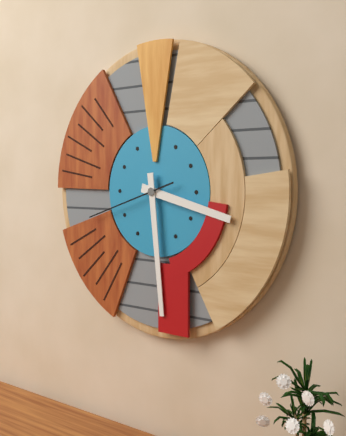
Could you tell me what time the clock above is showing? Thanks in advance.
3:29:42
